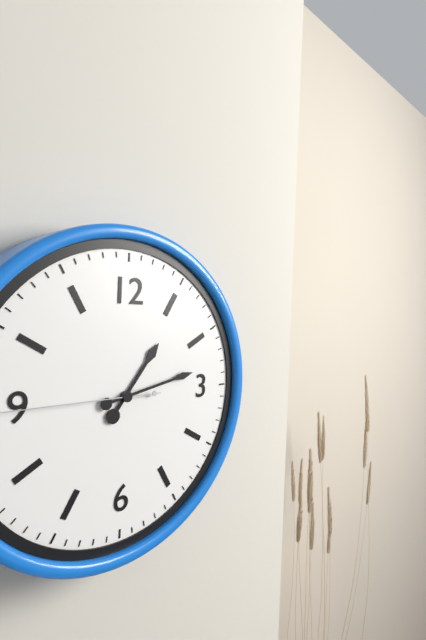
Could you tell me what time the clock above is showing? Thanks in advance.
1:13
